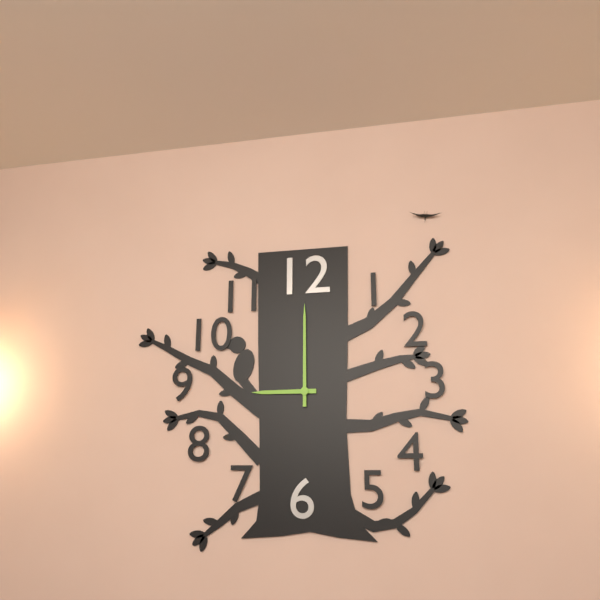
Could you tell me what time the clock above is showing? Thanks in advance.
9:00
